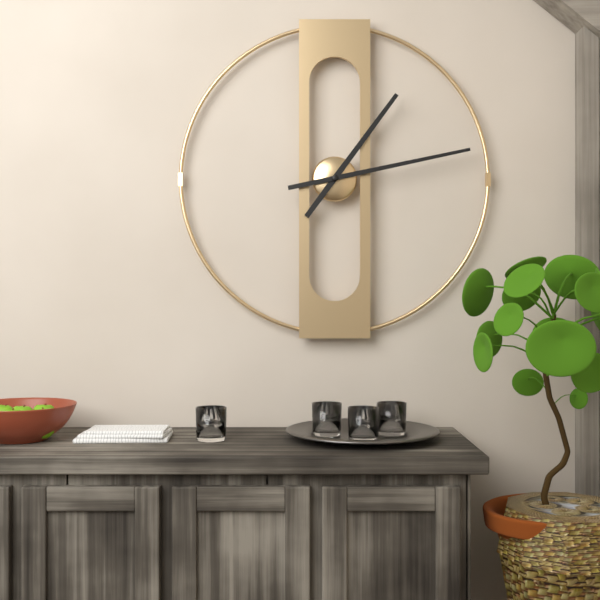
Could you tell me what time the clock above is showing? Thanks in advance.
1:13
